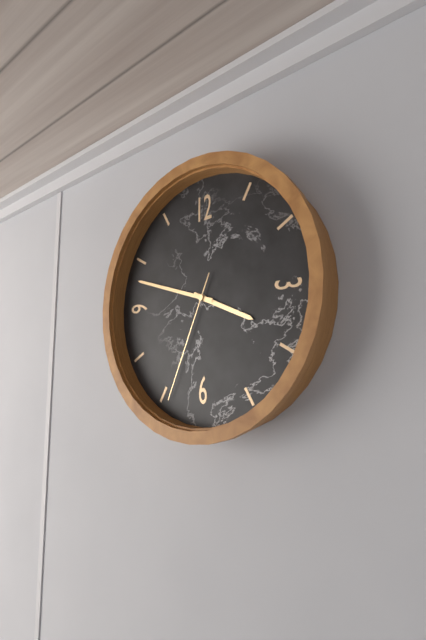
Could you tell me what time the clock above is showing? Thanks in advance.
3:48:34
